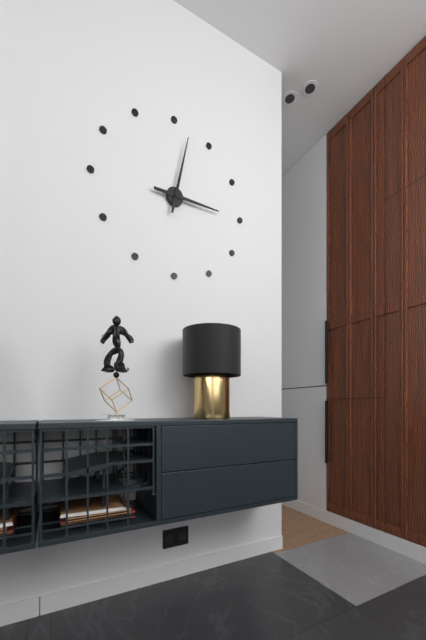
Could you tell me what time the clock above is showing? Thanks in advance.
3:02
